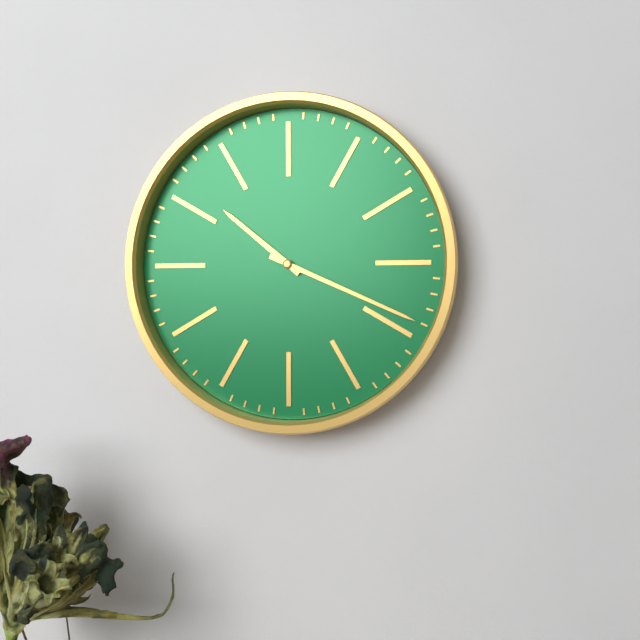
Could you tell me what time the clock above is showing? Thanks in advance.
10:19
